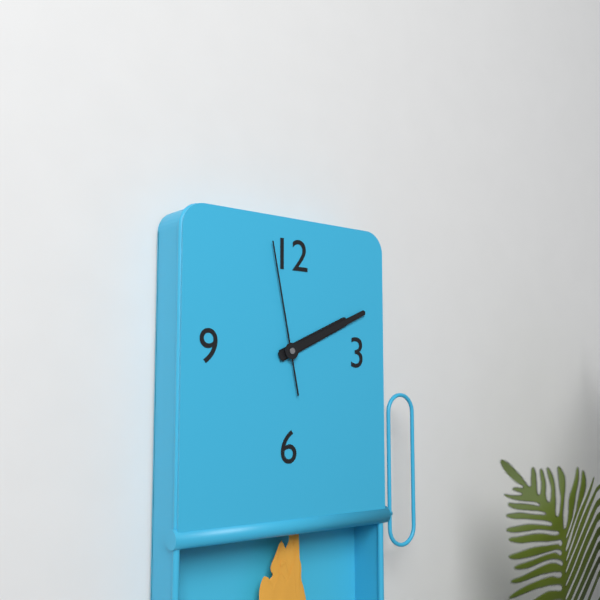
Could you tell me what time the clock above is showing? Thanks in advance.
2:11:58
